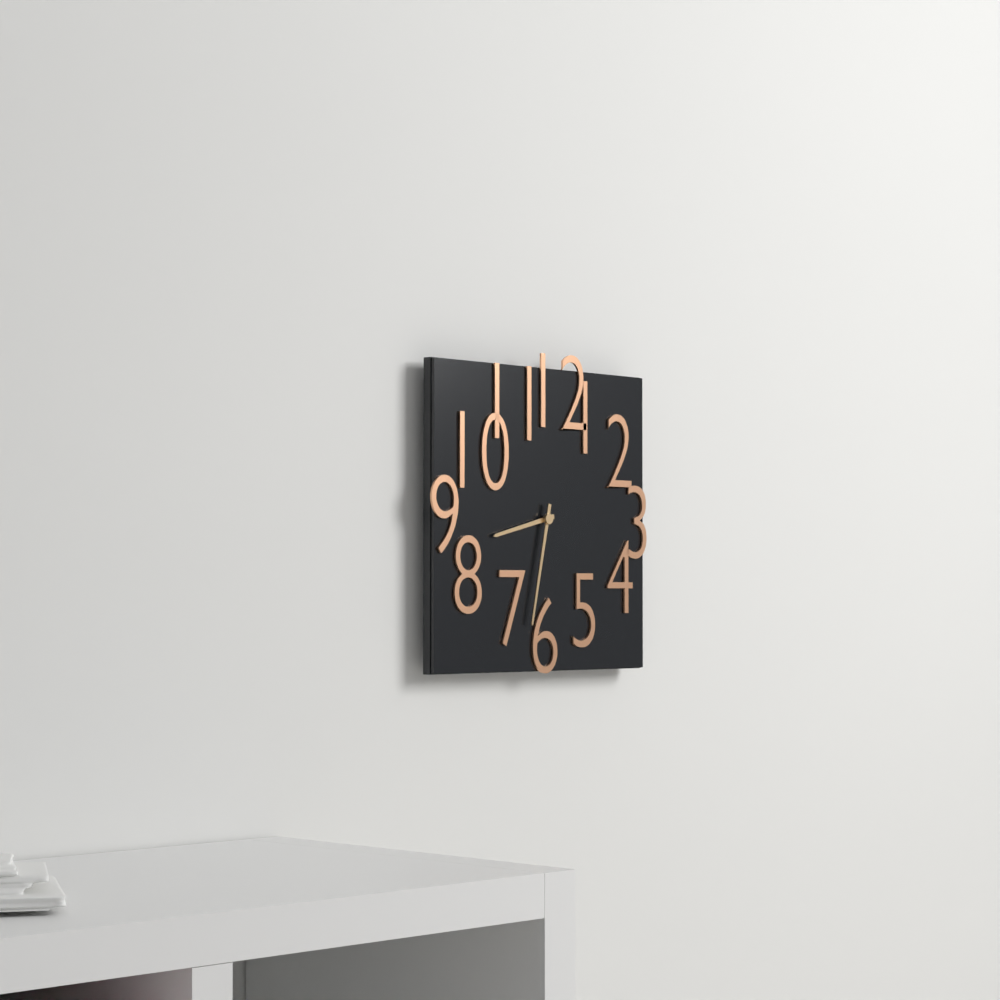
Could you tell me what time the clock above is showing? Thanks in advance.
8:32
